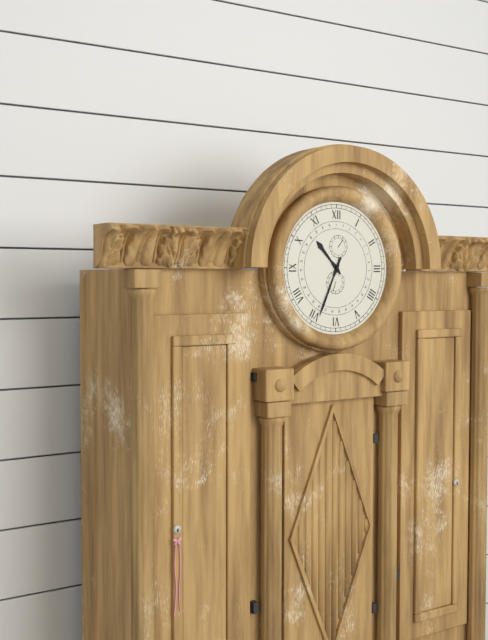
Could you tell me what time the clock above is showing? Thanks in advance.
10:34
